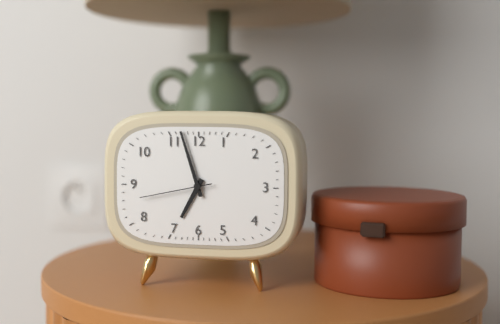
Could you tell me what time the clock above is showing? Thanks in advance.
6:57:43
